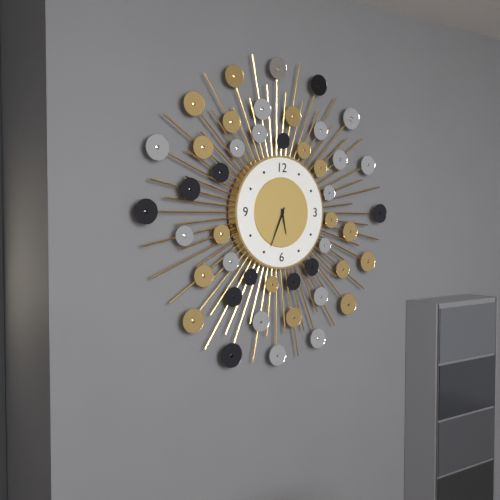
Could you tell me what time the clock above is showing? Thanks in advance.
5:34
